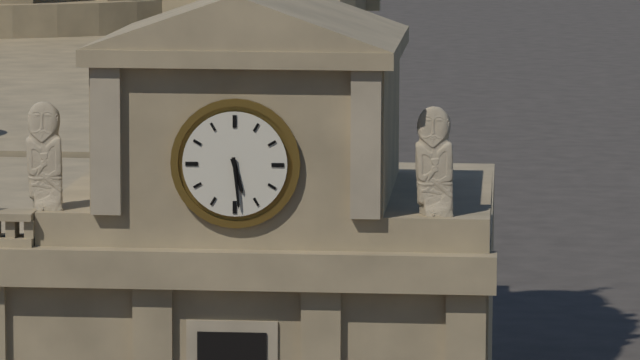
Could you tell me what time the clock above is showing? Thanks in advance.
5:29
